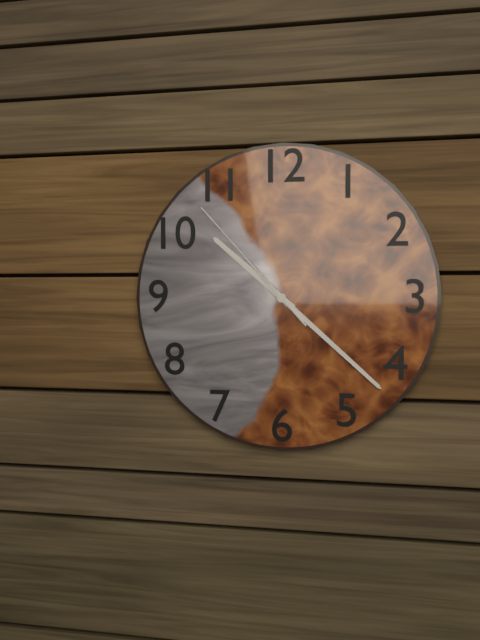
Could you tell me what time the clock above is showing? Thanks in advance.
10:22:53
